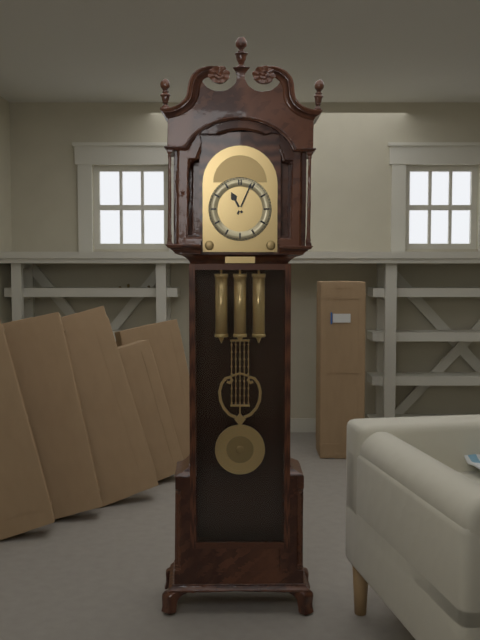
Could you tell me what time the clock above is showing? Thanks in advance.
11:04
